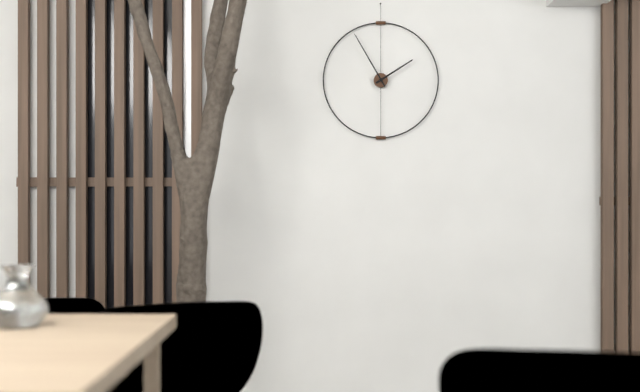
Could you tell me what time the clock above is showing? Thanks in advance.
1:55
